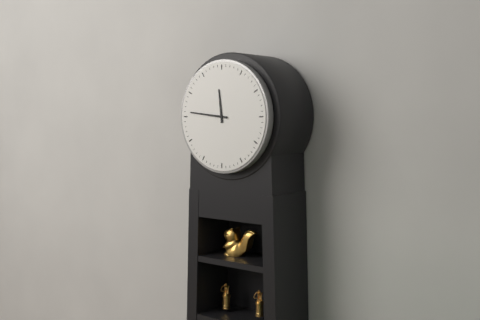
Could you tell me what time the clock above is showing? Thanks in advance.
11:46
